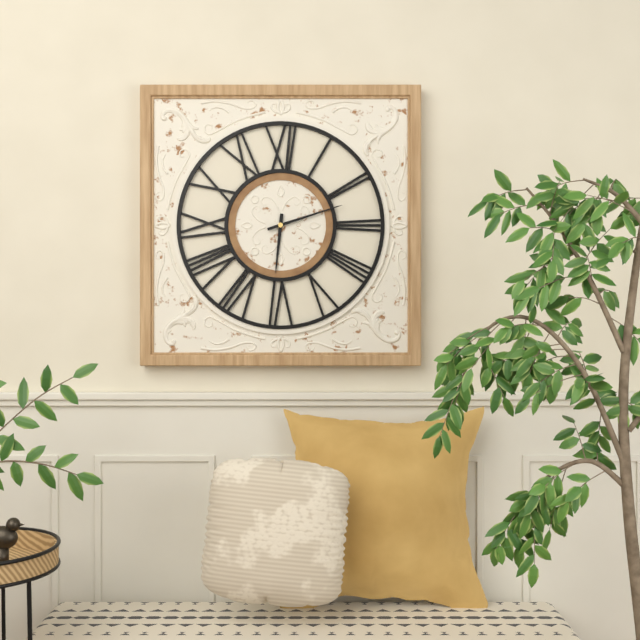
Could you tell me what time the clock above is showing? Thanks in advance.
6:12
